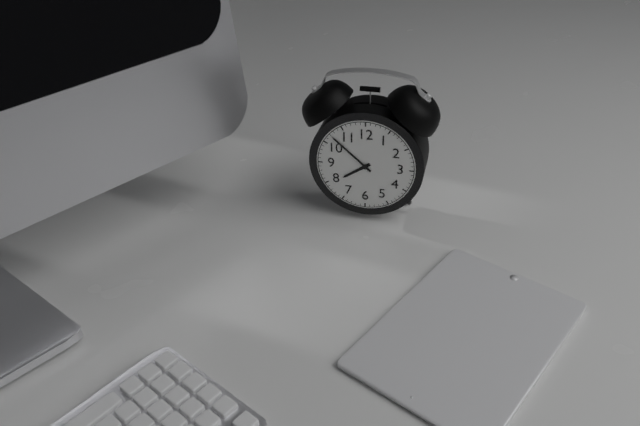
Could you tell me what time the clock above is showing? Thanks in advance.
7:52
